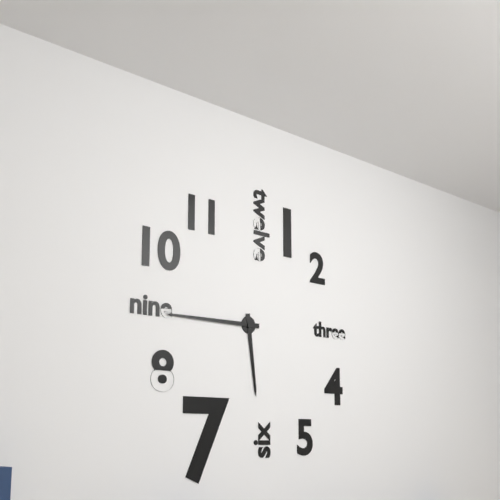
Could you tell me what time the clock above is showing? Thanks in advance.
5:45
